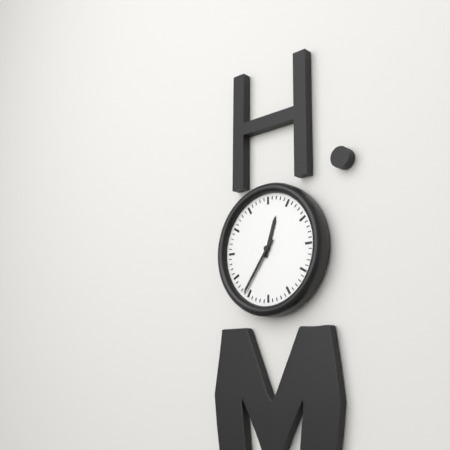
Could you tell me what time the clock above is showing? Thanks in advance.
12:36
